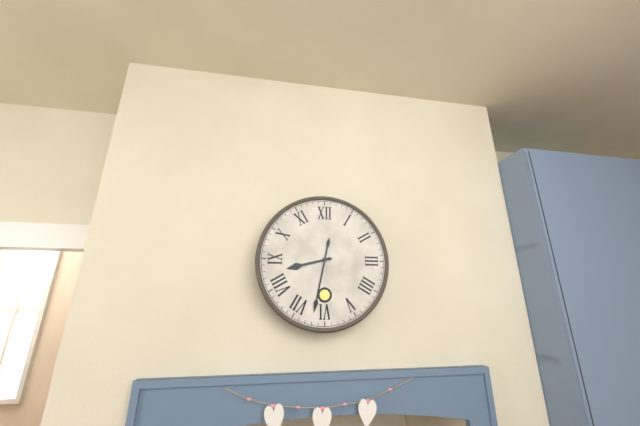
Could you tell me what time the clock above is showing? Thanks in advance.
8:32
